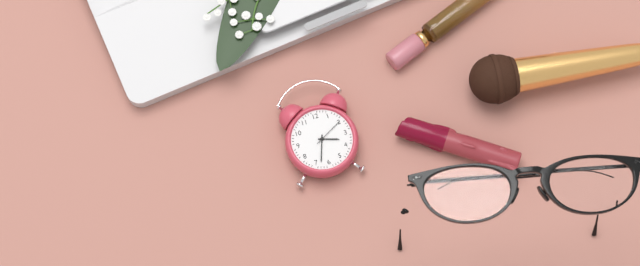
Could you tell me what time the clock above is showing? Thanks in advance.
3:33
